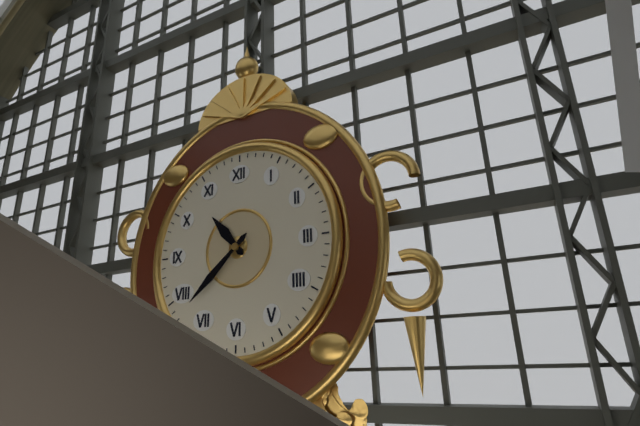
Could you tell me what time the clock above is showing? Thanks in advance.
10:38
